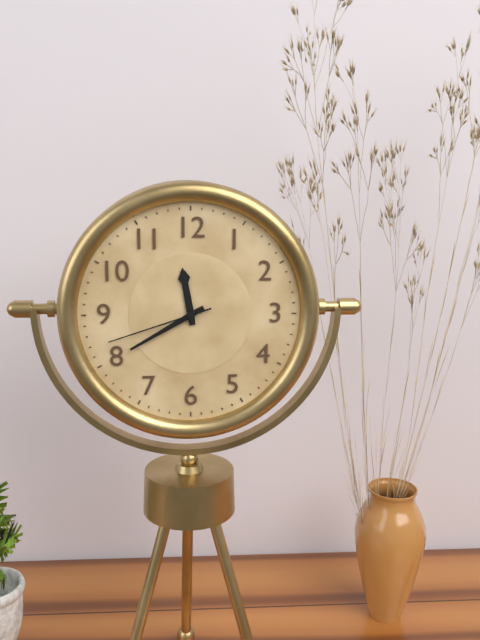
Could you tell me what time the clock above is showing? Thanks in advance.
11:40:42
